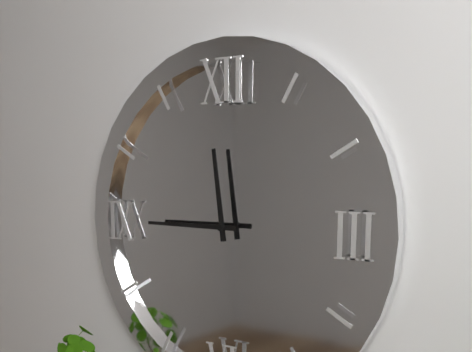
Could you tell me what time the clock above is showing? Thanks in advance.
11:45
